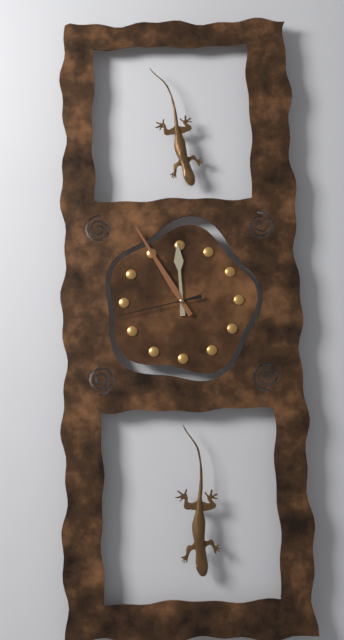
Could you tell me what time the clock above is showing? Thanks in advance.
11:55:43
